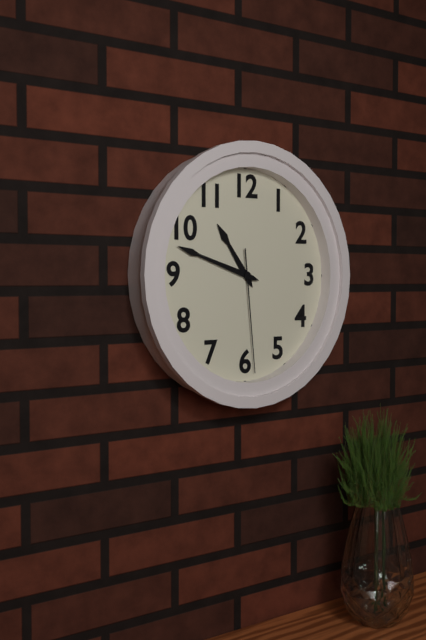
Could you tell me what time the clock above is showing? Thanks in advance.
10:48:29
